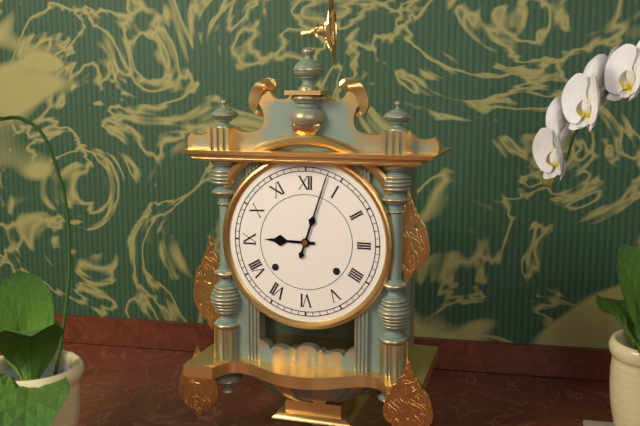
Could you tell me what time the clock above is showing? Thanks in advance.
9:03
